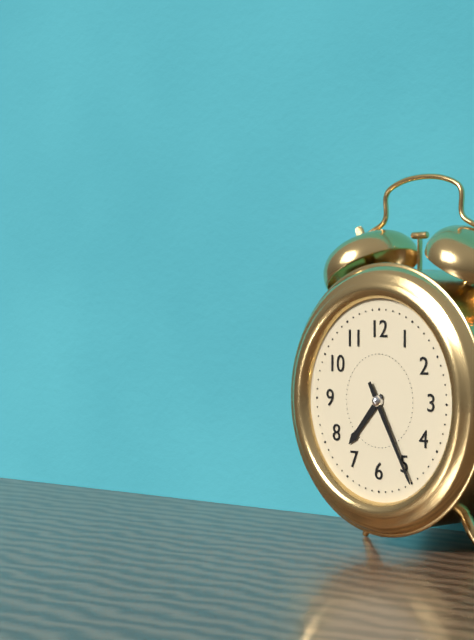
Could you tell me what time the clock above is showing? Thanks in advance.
7:25
